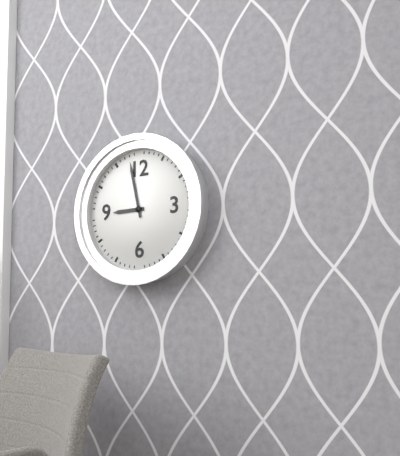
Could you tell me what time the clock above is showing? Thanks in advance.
8:58
